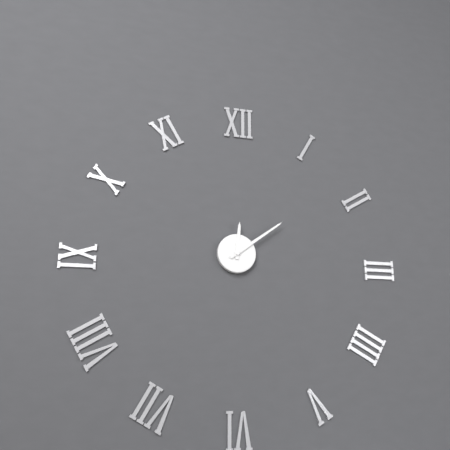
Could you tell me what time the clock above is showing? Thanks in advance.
12:09
